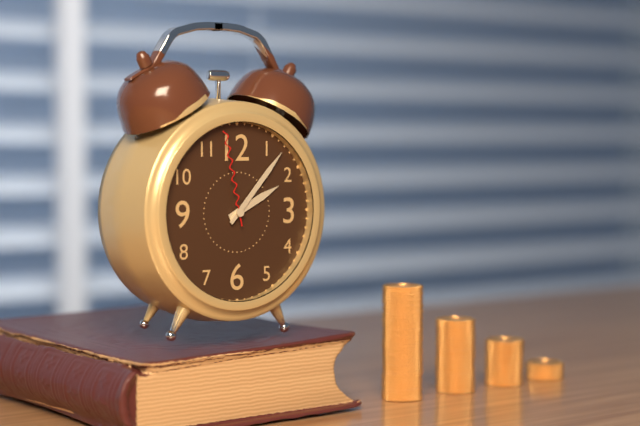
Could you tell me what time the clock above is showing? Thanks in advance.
2:07:58
